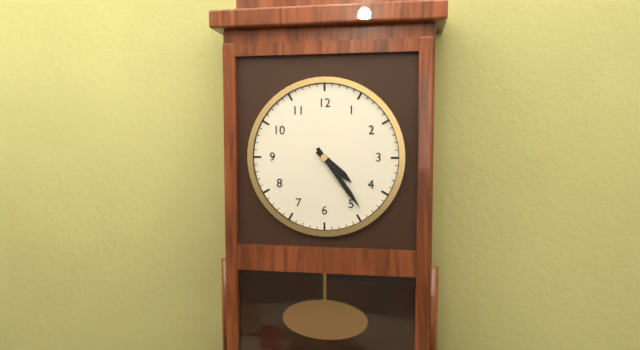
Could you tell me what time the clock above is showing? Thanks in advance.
4:24
